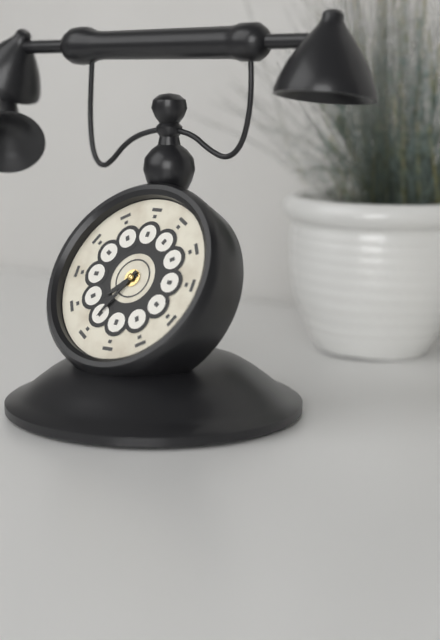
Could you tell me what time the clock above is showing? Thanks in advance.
7:35
